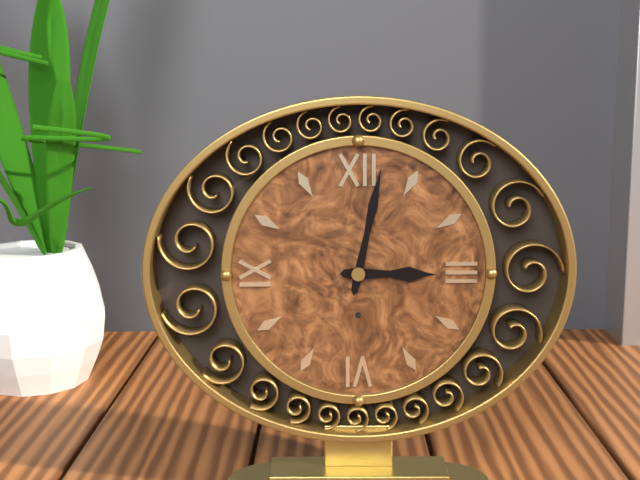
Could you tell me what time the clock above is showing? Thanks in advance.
3:02
